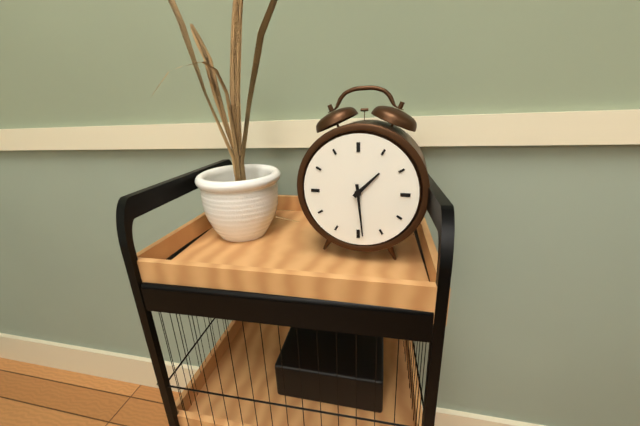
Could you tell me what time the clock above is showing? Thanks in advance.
1:29
